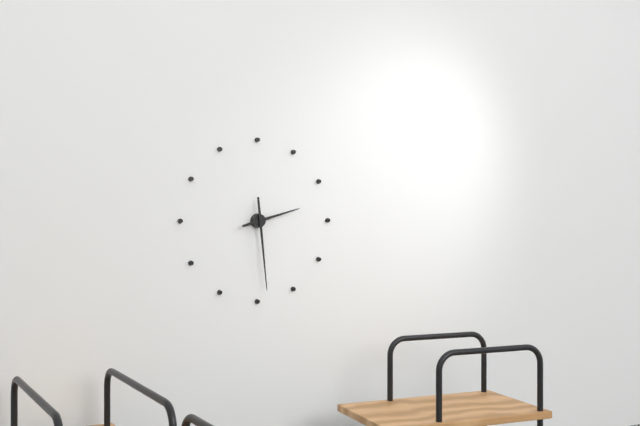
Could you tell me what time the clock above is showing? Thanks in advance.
2:29
